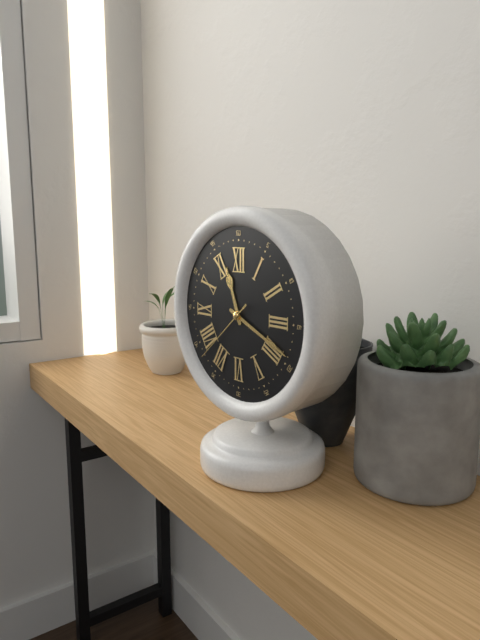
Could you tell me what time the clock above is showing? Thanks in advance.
11:19:38
